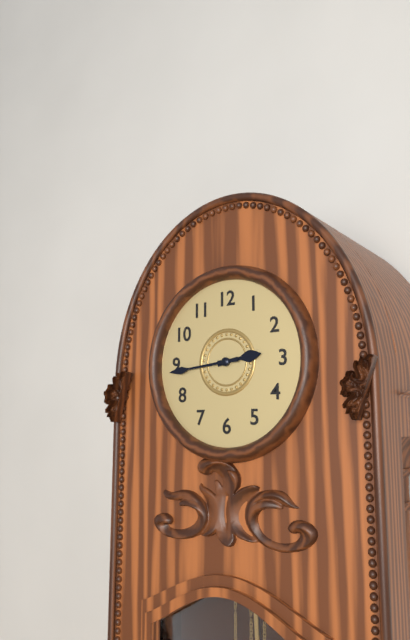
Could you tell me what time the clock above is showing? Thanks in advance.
2:44
